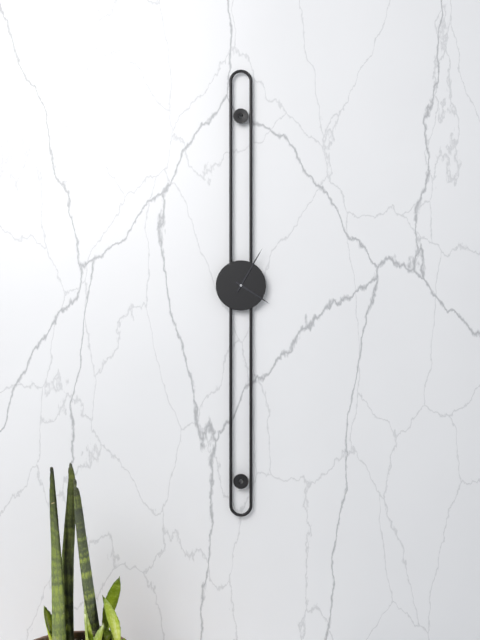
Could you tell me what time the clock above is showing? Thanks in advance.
4:05
